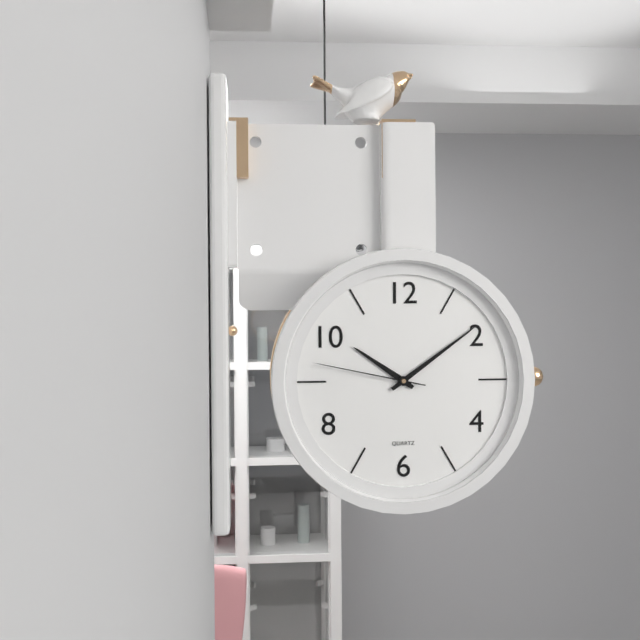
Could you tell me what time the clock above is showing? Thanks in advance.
10:09:47
